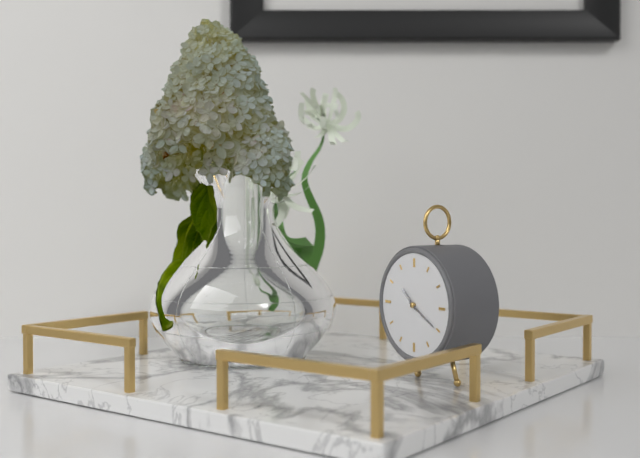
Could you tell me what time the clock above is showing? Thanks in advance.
10:20
